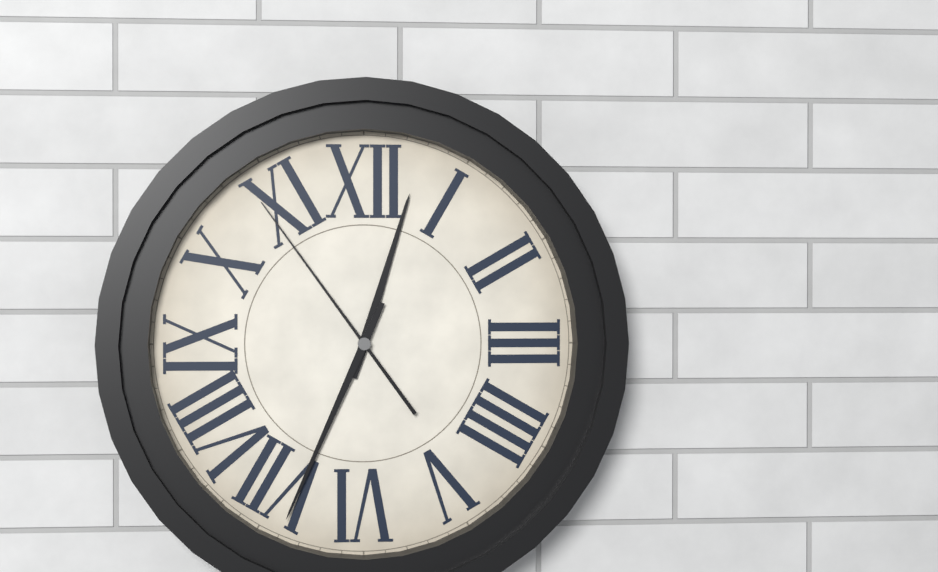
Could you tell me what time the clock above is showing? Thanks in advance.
12:34:54
